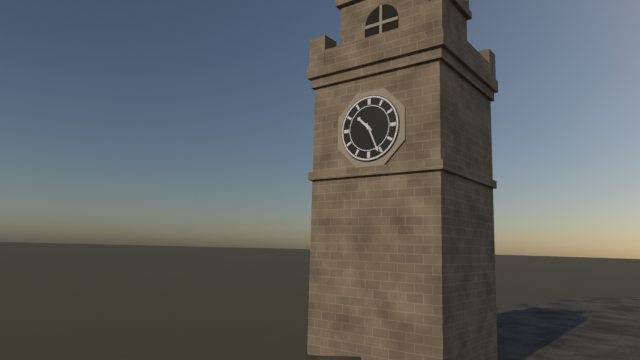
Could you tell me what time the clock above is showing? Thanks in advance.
10:26
